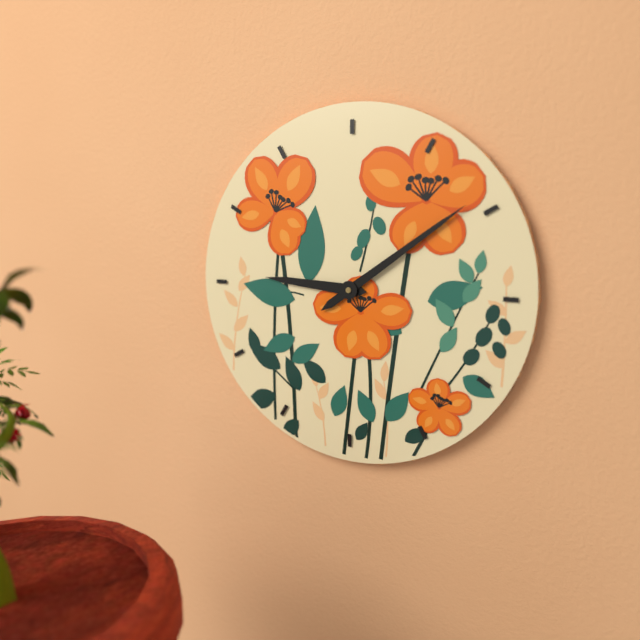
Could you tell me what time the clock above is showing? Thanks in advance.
9:09
